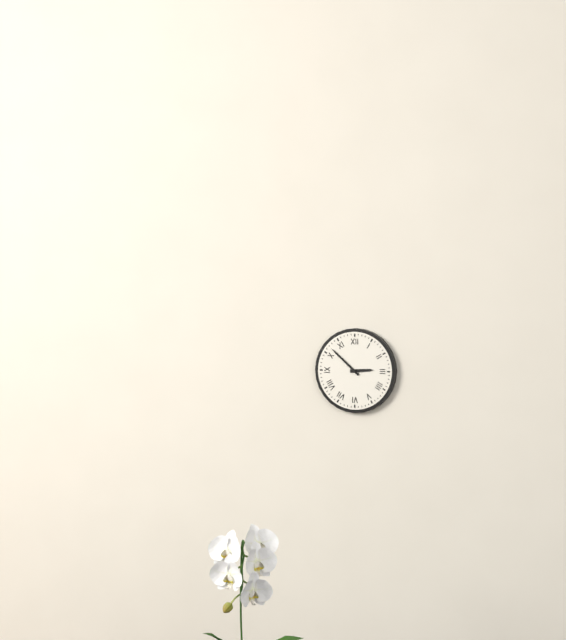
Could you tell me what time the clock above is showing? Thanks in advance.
2:52
